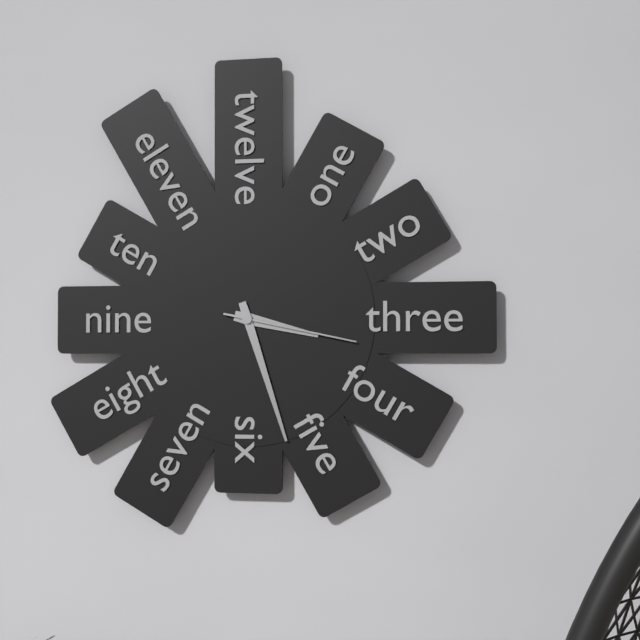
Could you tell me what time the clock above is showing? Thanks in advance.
3:27:17
